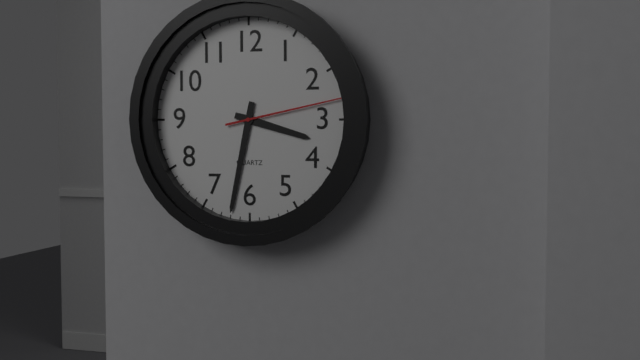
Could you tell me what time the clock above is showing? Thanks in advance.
3:32:13
